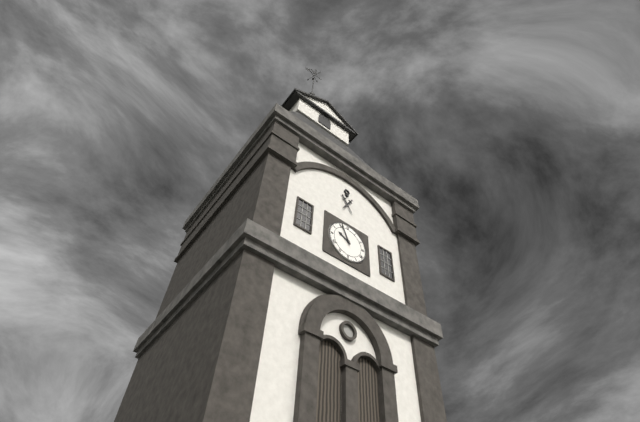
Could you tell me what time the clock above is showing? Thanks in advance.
9:56
